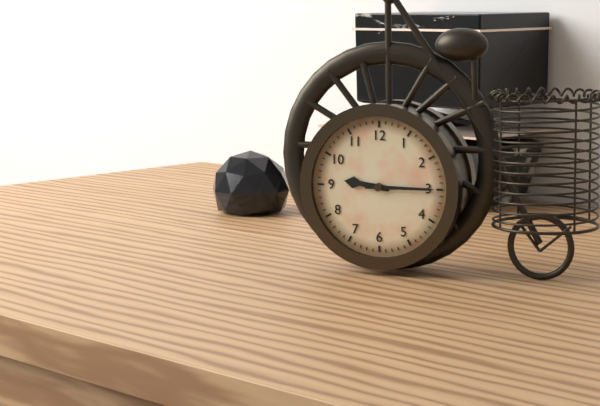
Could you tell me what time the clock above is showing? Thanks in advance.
9:15
